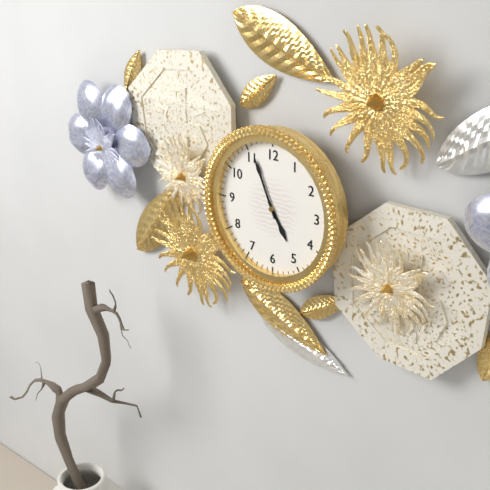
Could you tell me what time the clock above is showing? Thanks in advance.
4:56
